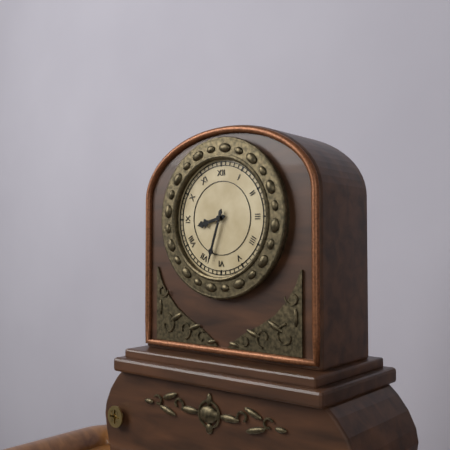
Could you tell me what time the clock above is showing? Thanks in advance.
8:33
